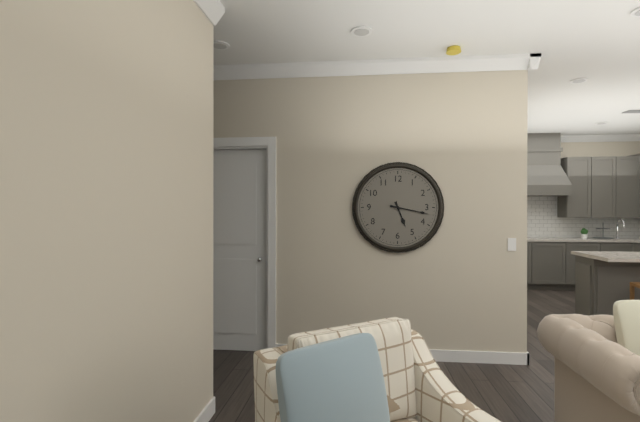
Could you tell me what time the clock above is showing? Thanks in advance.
5:17
